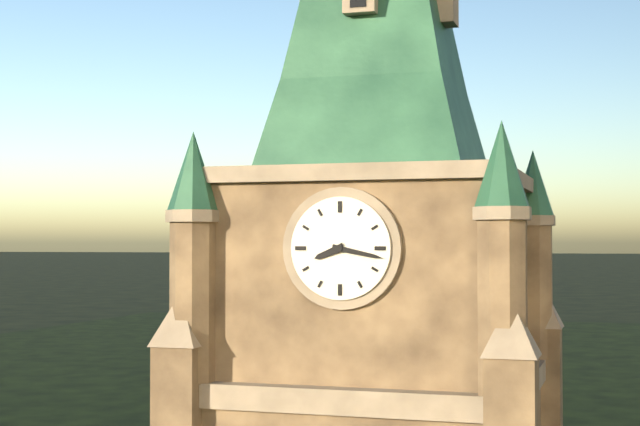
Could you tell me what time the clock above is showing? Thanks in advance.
8:17
